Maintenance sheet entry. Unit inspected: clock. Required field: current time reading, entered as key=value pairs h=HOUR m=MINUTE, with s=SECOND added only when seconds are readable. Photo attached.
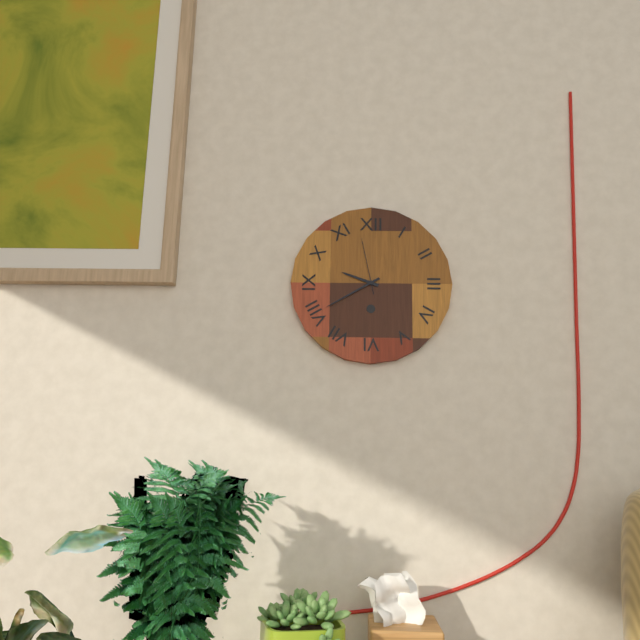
h=9 m=40 s=58
